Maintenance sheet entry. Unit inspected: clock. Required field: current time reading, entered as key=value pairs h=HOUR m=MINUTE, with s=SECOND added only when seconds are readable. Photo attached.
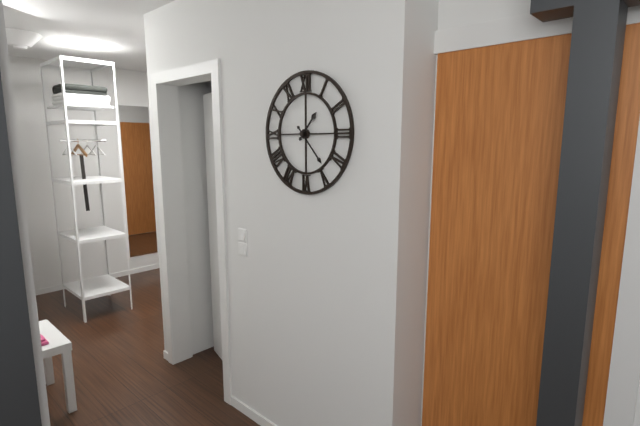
h=1 m=23
